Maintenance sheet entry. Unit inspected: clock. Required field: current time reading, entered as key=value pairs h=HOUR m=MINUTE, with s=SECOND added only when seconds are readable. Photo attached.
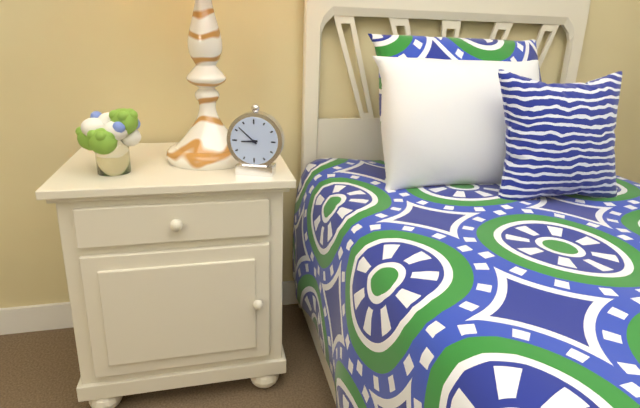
h=8 m=52
